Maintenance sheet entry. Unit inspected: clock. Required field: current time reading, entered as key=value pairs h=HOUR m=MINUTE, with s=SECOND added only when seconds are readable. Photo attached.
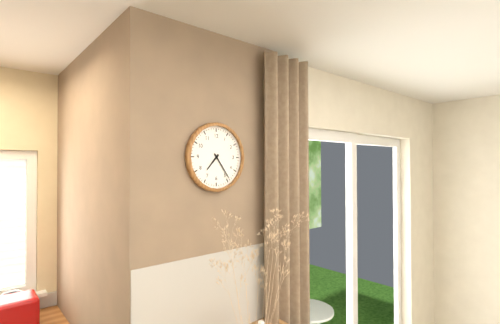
h=7 m=24
